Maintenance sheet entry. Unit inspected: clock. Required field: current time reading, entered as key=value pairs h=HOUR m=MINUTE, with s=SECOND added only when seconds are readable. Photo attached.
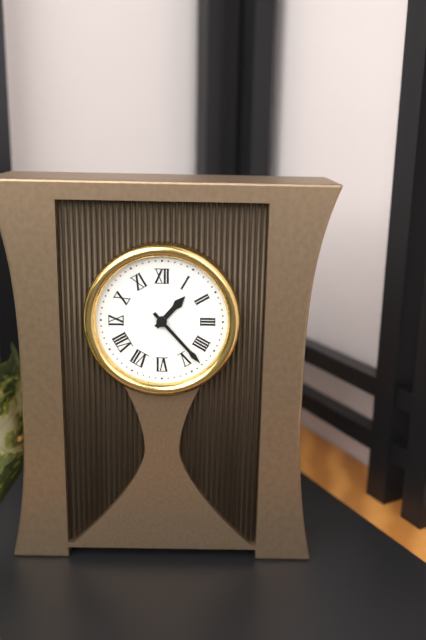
h=1 m=23
